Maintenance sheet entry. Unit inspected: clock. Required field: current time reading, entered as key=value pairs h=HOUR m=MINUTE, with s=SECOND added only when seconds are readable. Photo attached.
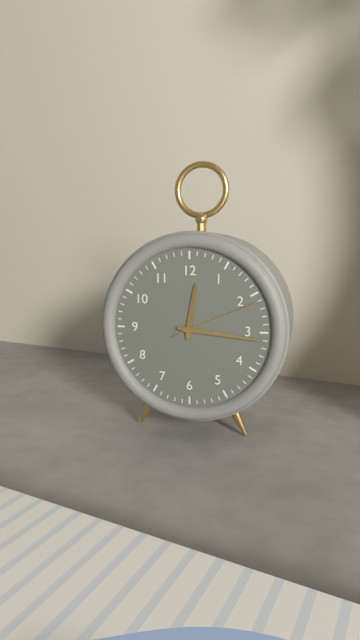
h=12 m=16 s=11
